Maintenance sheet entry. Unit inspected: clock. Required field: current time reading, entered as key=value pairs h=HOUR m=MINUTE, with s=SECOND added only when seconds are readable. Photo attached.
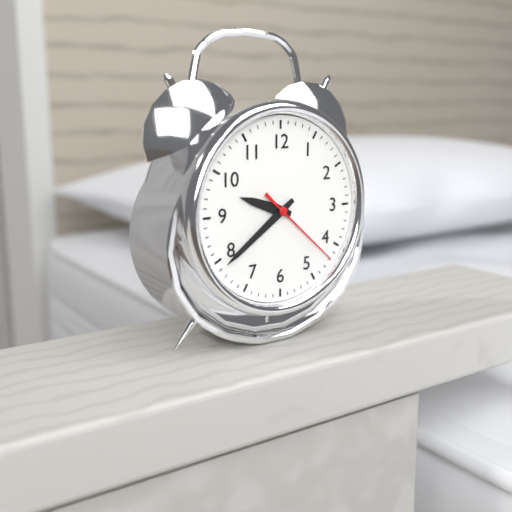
h=9 m=39 s=22
